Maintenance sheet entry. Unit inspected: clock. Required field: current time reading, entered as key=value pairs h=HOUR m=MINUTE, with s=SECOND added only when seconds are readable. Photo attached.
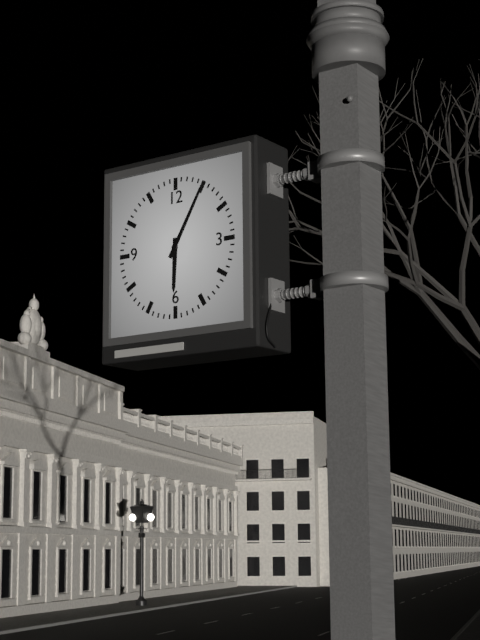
h=6 m=5
